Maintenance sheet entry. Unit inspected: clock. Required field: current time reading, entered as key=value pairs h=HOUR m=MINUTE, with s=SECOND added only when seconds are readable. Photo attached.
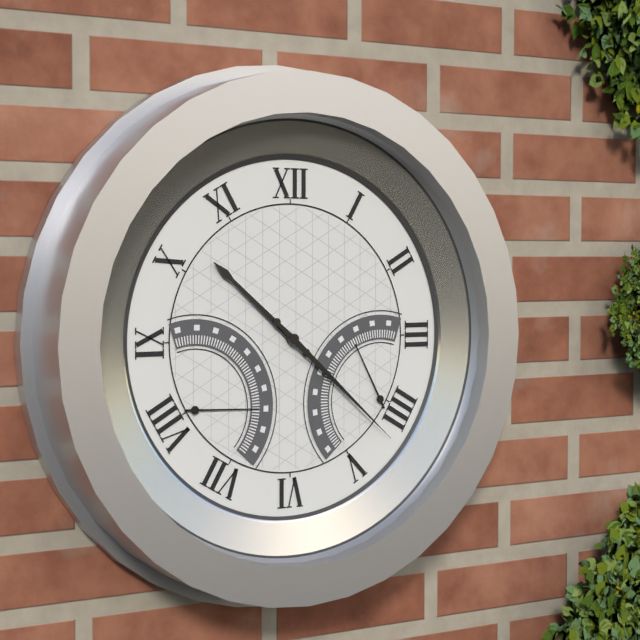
h=10 m=22
